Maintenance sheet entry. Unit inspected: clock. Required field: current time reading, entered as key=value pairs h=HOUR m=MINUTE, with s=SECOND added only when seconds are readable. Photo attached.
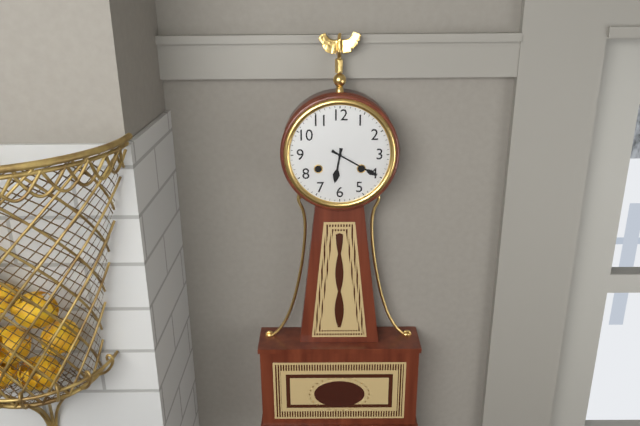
h=6 m=20
